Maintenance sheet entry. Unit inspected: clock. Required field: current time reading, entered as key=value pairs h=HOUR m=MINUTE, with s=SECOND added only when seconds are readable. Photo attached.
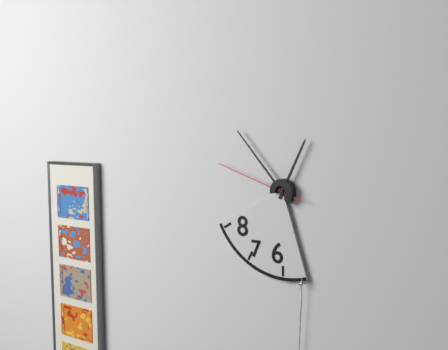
h=12 m=53 s=48
